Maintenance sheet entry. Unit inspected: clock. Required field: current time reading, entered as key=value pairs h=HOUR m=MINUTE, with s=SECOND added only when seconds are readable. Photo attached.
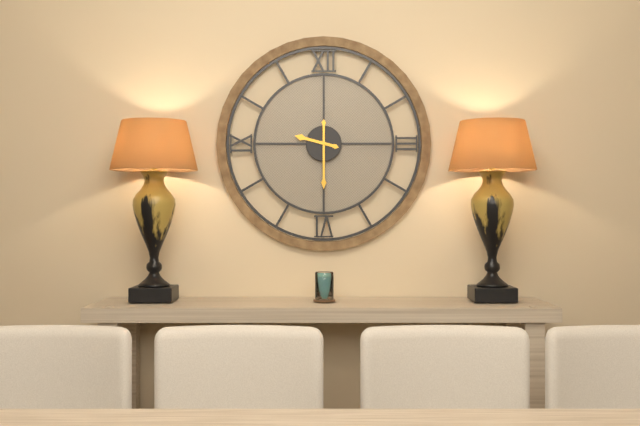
h=9 m=30
